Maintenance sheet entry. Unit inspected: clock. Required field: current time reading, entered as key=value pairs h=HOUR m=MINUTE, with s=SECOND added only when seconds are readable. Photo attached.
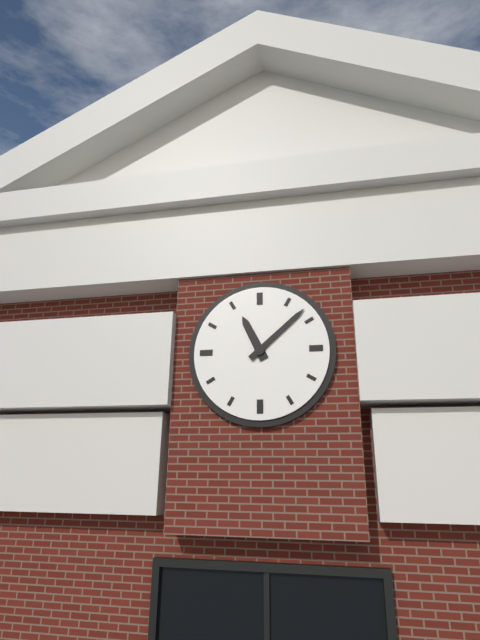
h=11 m=8
